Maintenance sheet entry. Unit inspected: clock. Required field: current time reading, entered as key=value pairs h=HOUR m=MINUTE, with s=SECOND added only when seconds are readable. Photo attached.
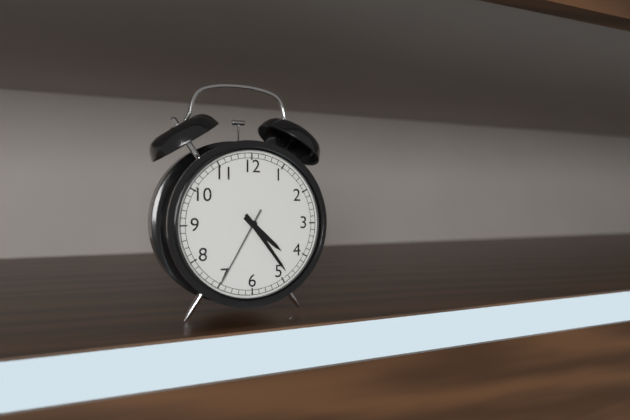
h=4 m=24 s=35
